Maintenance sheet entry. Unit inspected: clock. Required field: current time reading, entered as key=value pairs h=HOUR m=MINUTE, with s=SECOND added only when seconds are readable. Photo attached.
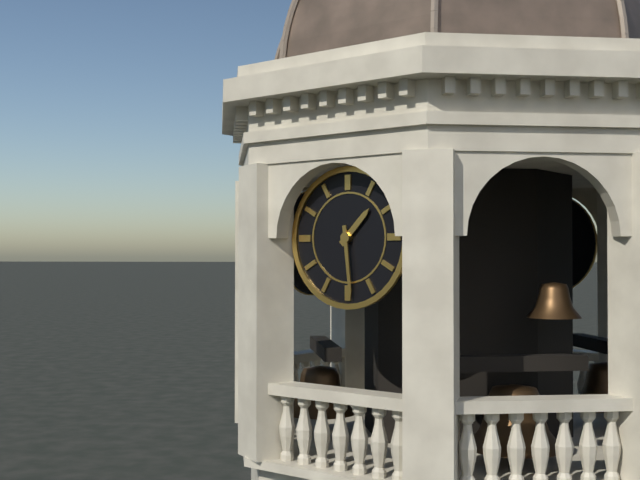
h=1 m=29
